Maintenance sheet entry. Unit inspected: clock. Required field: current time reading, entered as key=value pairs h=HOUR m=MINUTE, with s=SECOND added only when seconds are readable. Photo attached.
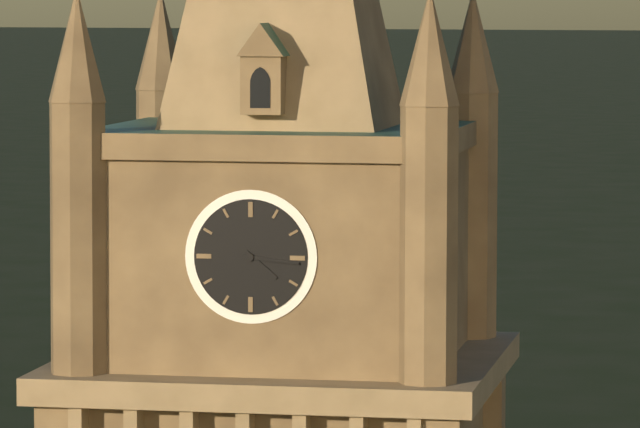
h=4 m=16
